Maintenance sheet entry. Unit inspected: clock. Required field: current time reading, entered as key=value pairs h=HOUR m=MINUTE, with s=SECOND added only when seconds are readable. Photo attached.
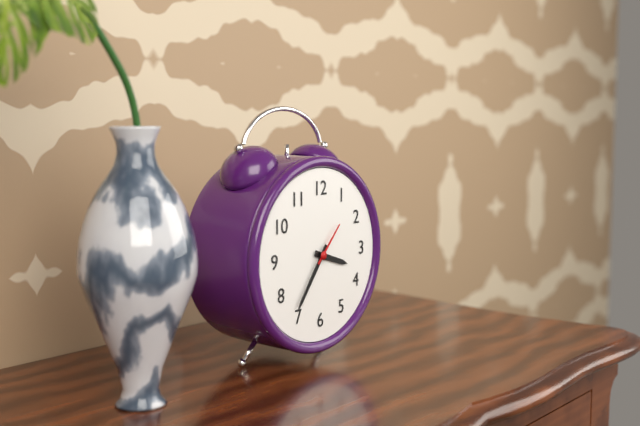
h=3 m=36
